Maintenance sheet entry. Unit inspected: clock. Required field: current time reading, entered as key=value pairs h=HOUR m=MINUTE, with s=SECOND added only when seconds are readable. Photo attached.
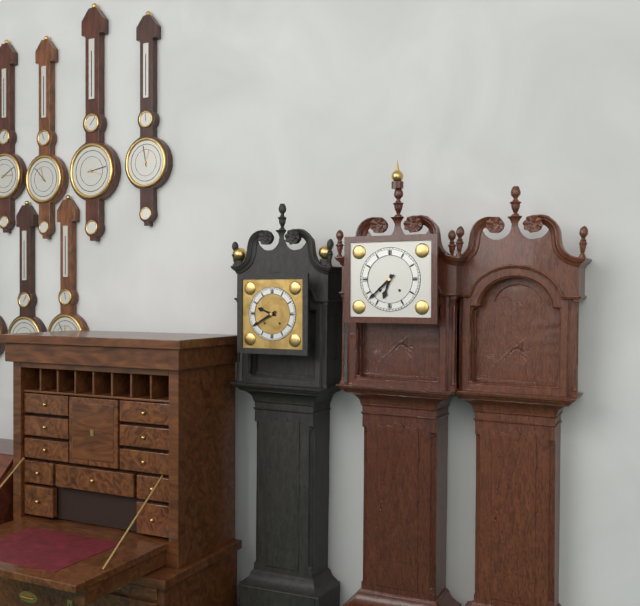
h=6 m=38
